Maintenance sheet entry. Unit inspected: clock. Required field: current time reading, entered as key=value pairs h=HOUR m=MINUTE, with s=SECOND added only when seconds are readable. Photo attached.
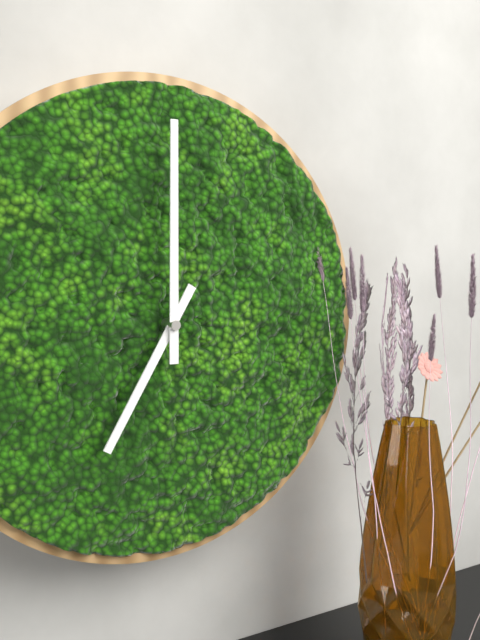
h=7 m=0
